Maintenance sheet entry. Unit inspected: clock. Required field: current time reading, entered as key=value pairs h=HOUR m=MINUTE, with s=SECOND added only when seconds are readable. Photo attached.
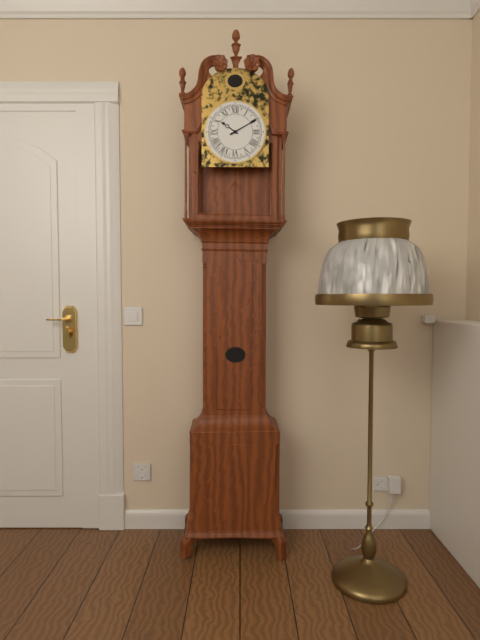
h=10 m=10
